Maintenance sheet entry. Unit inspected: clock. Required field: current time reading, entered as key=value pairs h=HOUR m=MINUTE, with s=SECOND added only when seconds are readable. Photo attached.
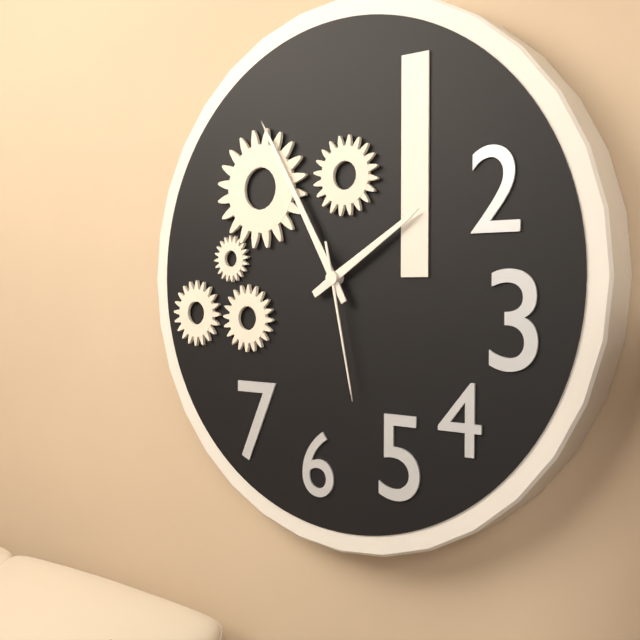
h=1 m=55 s=28
